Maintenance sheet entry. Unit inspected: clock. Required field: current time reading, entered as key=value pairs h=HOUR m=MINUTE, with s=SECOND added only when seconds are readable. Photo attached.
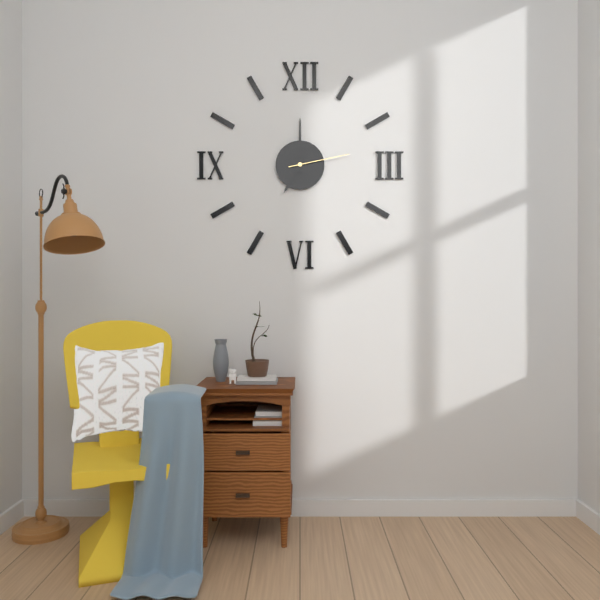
h=7 m=0 s=13
